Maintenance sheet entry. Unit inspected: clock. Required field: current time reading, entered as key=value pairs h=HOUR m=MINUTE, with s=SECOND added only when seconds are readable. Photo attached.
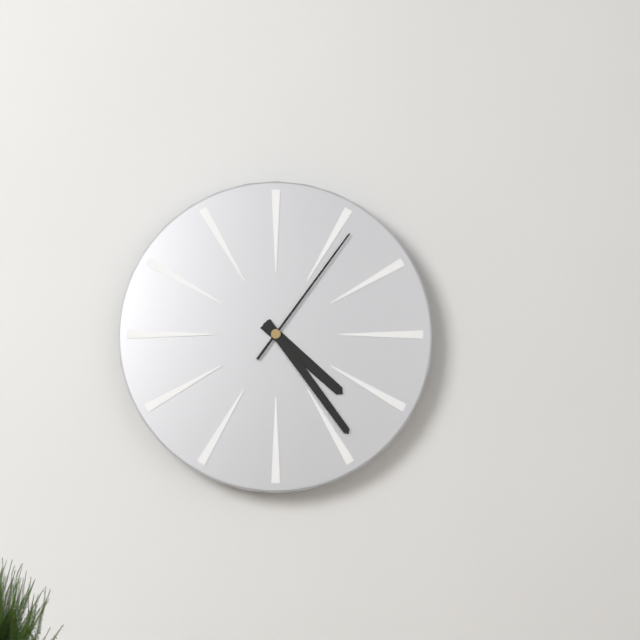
h=4 m=24 s=6
